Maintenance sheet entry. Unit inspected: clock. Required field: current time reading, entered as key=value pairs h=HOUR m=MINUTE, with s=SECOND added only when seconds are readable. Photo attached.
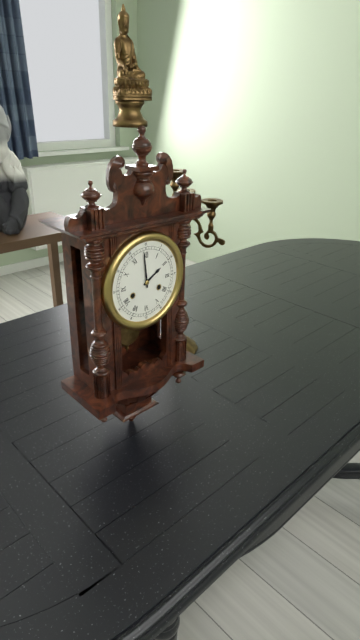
h=1 m=59
